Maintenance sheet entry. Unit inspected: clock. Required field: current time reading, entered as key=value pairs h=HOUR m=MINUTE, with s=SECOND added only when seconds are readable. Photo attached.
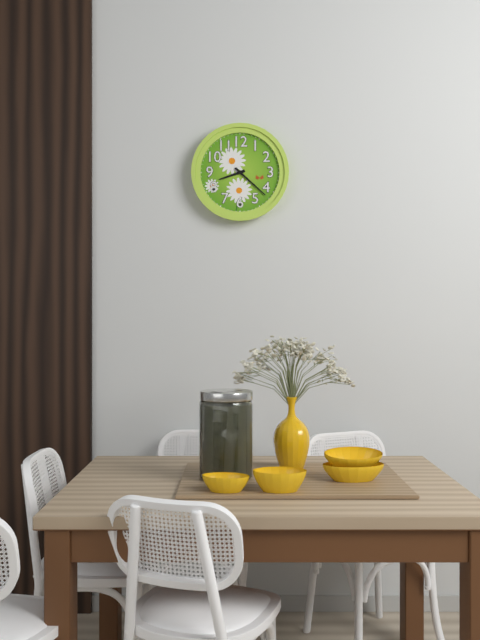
h=8 m=22
